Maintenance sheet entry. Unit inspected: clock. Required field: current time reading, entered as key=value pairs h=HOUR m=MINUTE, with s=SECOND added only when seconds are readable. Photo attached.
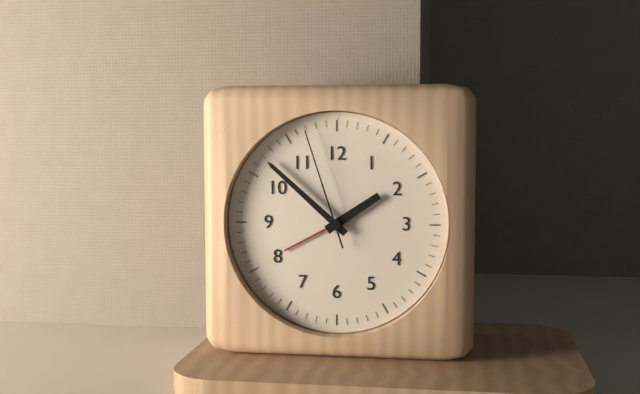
h=1 m=52 s=57
